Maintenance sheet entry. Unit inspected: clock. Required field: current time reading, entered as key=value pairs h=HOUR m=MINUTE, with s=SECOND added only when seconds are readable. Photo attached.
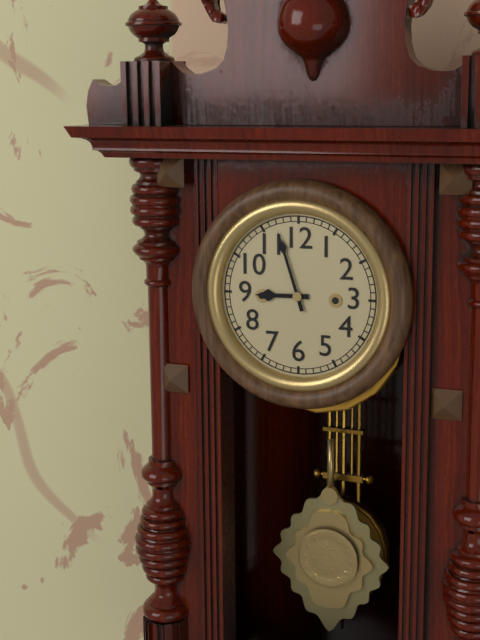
h=8 m=57
